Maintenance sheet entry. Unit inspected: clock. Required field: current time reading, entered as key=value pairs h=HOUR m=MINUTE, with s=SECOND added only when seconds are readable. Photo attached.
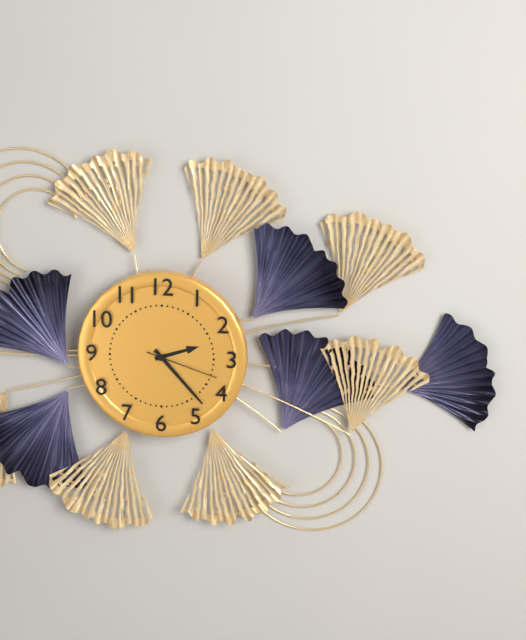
h=2 m=23 s=18
